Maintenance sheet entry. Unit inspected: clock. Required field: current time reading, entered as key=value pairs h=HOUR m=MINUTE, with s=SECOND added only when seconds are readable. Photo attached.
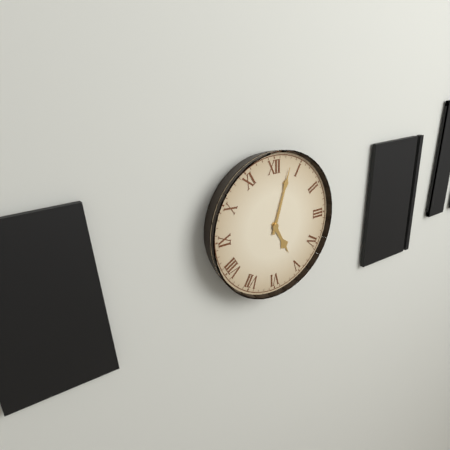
h=5 m=3
